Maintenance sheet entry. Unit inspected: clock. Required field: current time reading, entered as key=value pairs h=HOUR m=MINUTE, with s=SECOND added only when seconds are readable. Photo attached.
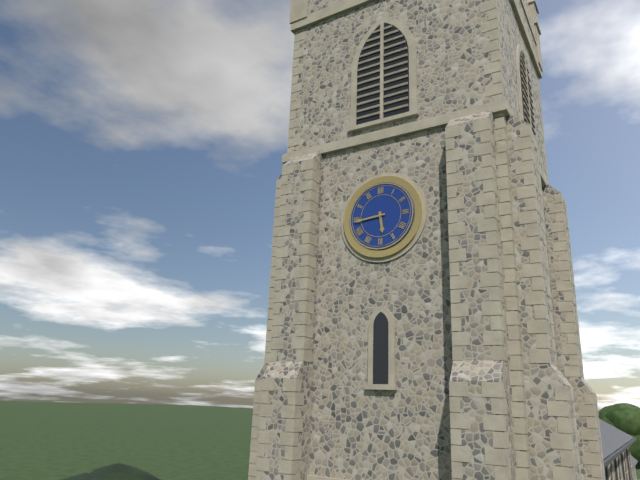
h=5 m=44
